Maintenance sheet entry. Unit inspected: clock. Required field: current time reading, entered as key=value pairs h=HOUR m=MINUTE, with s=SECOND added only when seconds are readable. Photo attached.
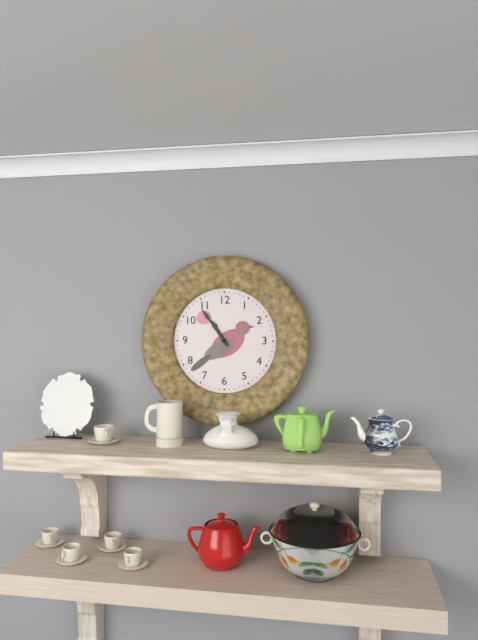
h=10 m=54
